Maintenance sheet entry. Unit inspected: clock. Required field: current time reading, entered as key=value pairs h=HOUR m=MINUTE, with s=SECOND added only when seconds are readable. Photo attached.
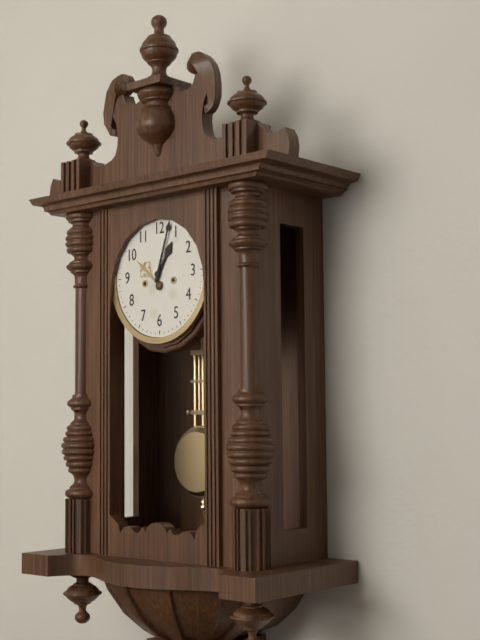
h=1 m=3
